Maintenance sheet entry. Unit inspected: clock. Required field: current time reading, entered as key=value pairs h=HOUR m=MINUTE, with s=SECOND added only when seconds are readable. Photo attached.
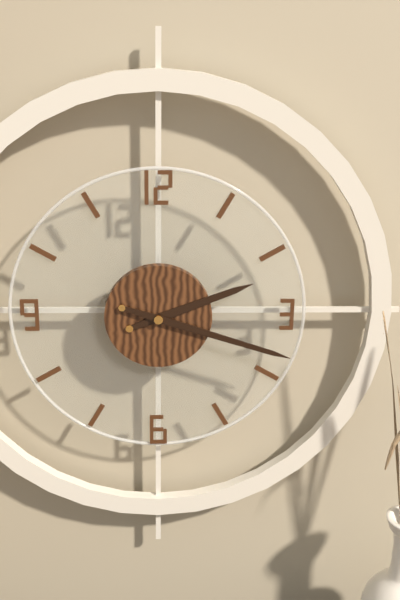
h=2 m=18
